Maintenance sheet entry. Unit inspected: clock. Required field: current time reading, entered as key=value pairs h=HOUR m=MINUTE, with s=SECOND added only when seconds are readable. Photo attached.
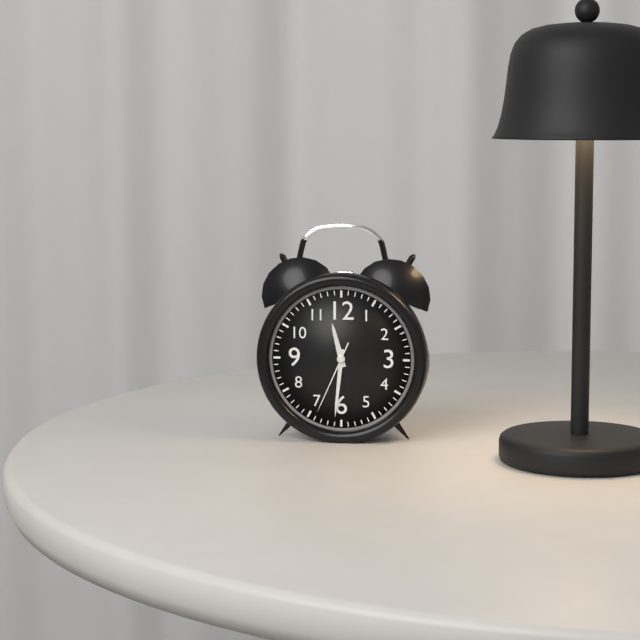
h=11 m=31 s=34
